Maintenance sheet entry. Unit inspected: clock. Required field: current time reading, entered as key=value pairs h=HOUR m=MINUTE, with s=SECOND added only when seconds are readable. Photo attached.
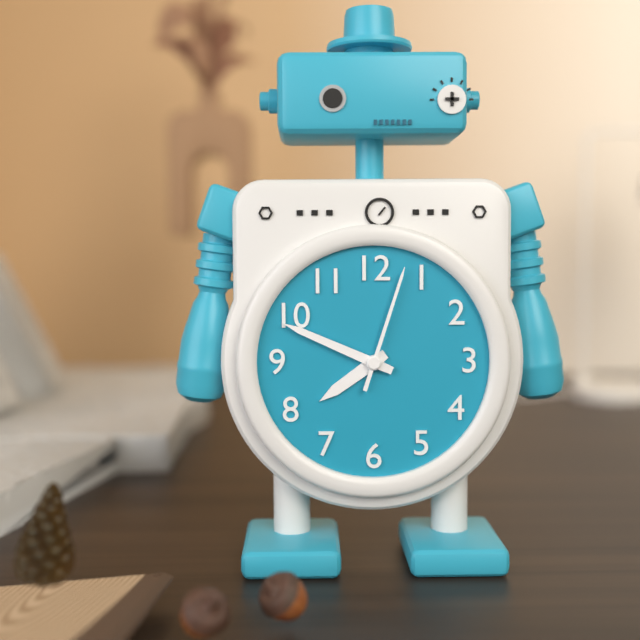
h=7 m=49 s=3
